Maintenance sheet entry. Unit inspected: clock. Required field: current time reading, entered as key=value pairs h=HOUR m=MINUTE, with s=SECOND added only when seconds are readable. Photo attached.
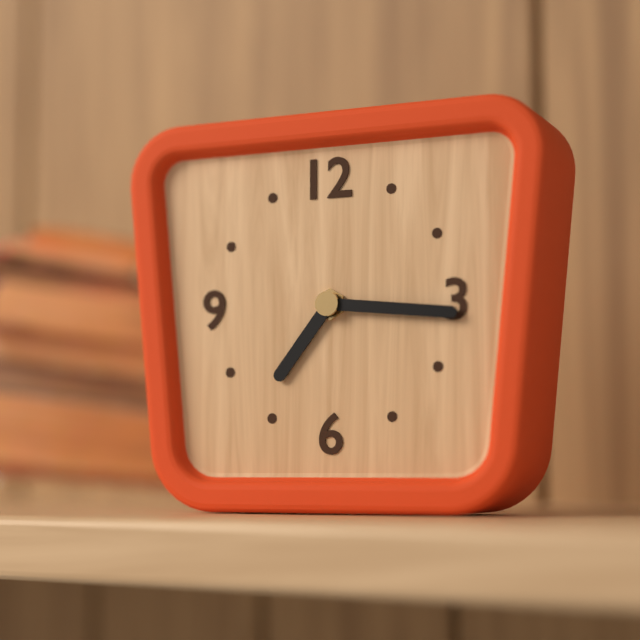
h=7 m=16
